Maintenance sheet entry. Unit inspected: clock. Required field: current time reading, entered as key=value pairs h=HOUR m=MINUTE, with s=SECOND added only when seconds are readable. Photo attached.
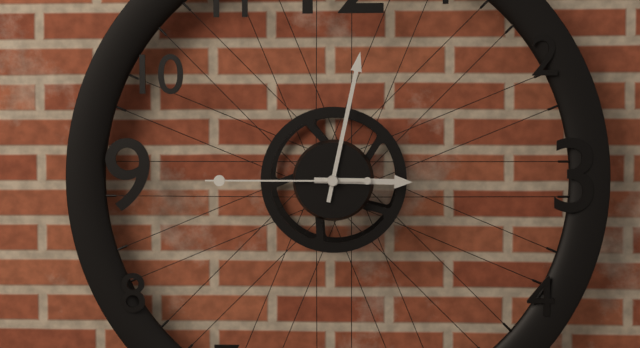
h=3 m=2 s=45
